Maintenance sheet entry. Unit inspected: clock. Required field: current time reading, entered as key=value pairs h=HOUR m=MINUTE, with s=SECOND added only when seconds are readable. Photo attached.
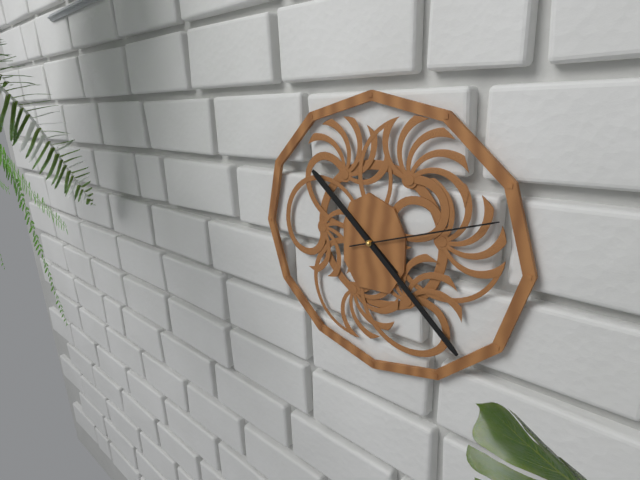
h=10 m=22 s=12
